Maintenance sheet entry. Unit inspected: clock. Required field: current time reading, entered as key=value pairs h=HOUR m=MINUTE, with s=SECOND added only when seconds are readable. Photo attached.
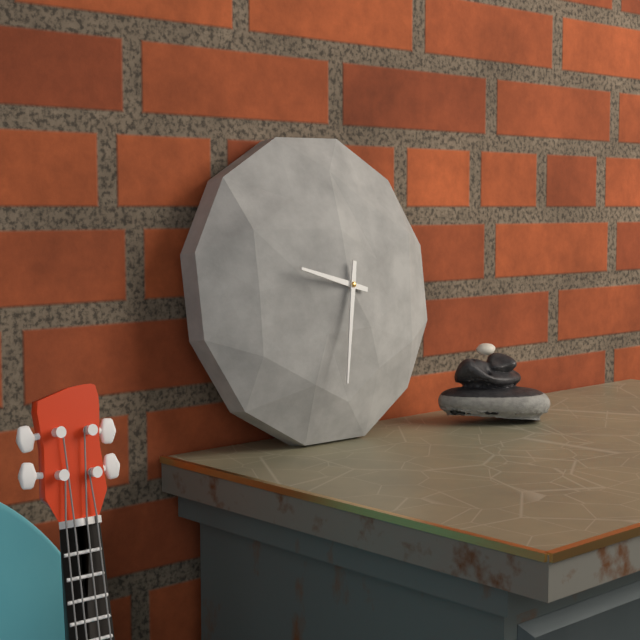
h=9 m=32
